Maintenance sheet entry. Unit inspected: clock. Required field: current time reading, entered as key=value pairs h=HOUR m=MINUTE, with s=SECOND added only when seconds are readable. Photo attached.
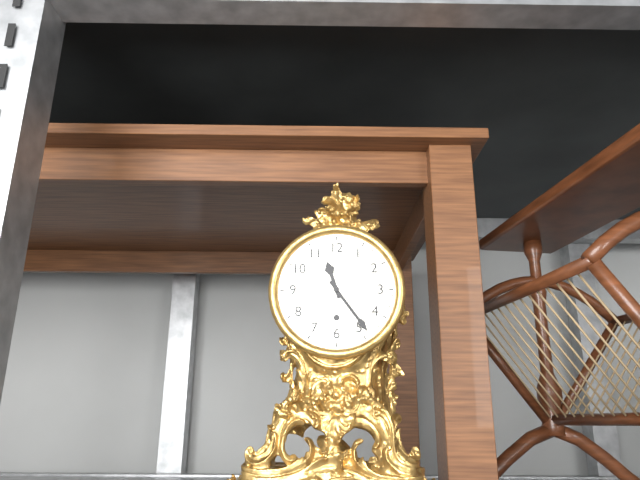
h=11 m=24
